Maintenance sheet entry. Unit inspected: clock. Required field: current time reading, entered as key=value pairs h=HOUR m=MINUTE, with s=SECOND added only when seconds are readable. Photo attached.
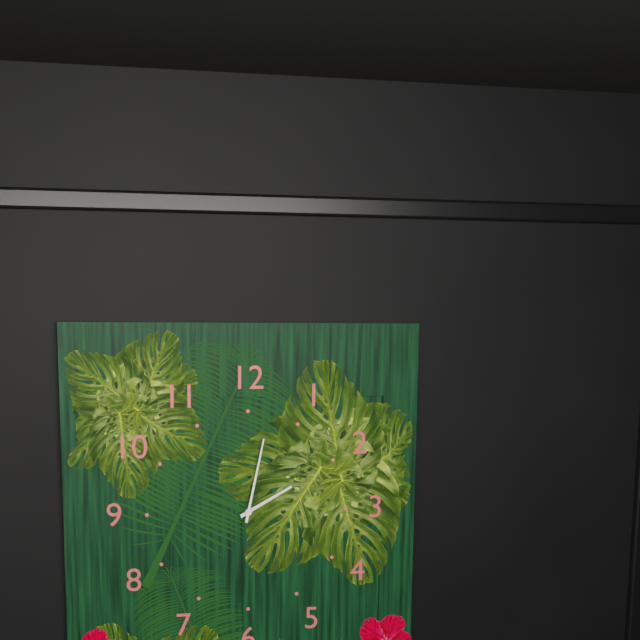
h=2 m=2
